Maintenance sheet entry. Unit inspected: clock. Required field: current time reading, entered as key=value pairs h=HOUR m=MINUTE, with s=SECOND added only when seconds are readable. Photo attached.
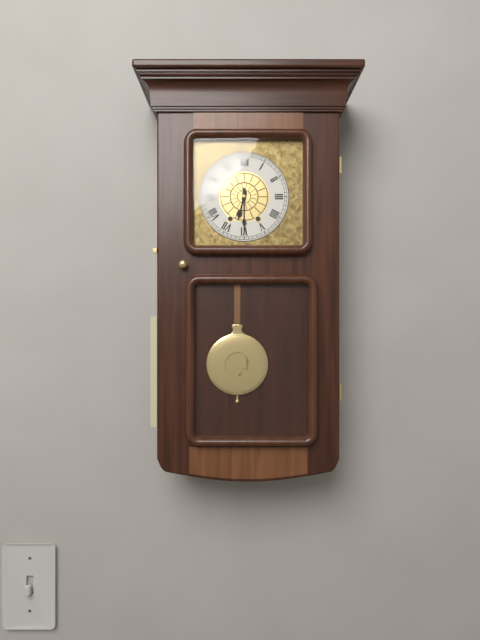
h=6 m=30
